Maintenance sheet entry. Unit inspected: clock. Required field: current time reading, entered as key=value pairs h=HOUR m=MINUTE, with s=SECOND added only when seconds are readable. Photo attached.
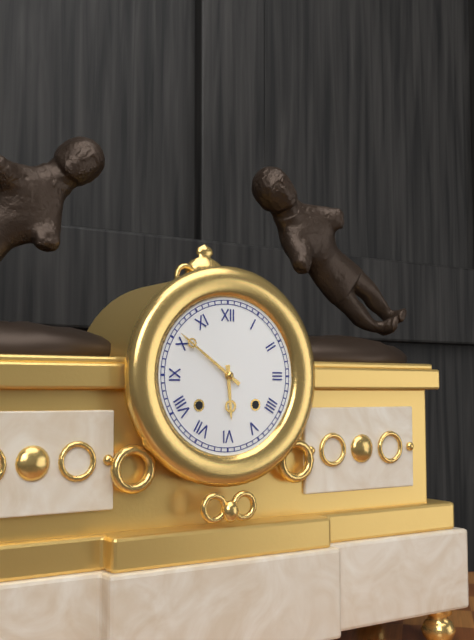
h=5 m=51
